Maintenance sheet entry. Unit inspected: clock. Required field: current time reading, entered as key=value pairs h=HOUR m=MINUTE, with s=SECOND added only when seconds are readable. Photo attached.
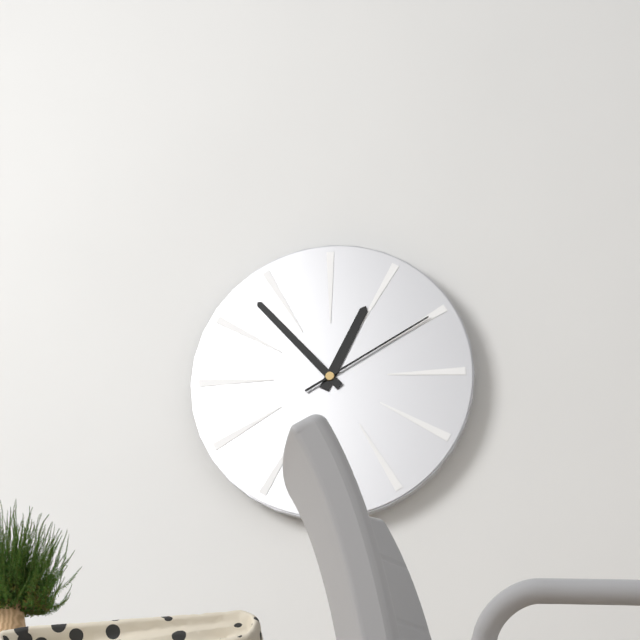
h=12 m=53 s=10
